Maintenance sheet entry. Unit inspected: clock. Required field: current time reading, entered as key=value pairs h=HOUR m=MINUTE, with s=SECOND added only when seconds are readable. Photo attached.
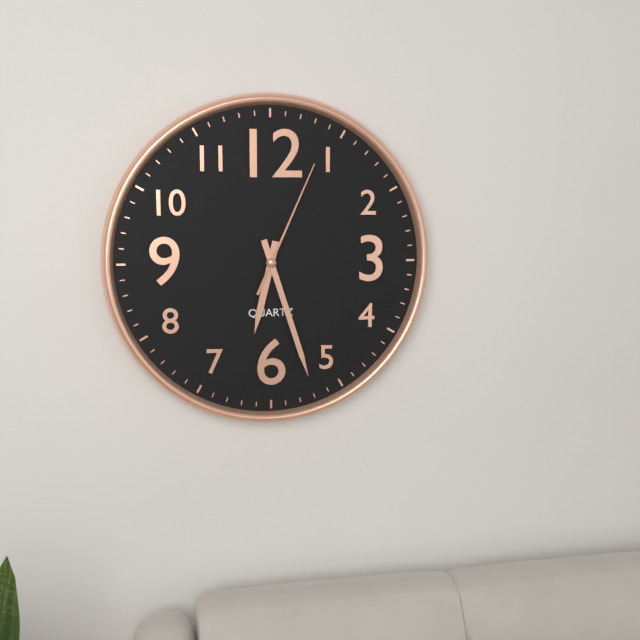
h=6 m=27 s=4
